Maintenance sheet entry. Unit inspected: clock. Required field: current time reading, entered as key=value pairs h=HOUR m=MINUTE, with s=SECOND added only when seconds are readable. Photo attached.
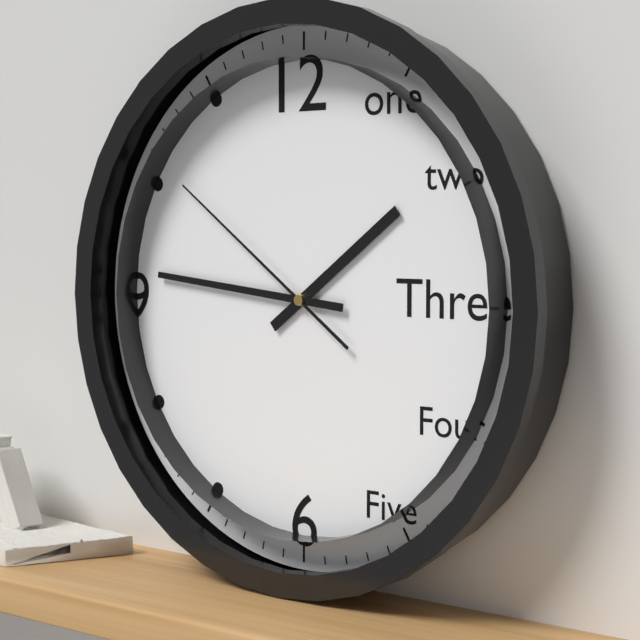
h=1 m=46 s=51
